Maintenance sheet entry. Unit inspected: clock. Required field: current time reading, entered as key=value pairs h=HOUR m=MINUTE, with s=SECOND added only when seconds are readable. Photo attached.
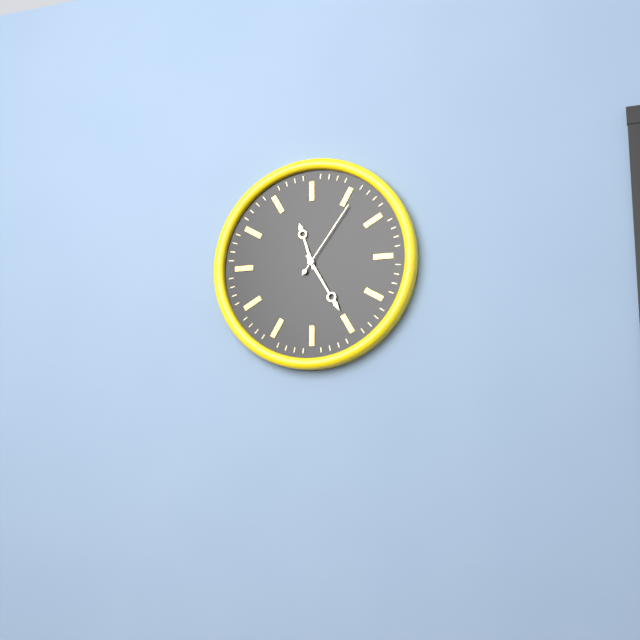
h=11 m=25 s=6
